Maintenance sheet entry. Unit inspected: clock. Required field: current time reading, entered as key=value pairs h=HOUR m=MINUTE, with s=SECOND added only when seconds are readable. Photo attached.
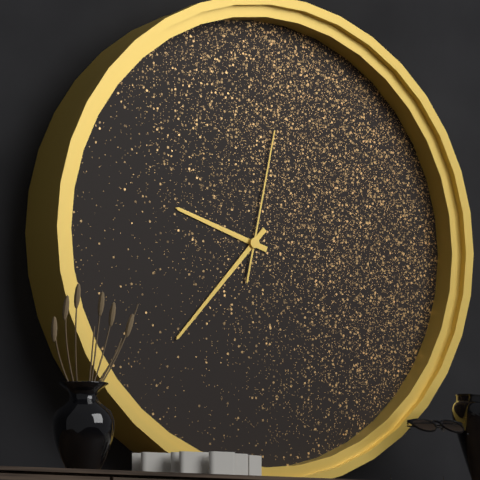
h=9 m=37 s=2
